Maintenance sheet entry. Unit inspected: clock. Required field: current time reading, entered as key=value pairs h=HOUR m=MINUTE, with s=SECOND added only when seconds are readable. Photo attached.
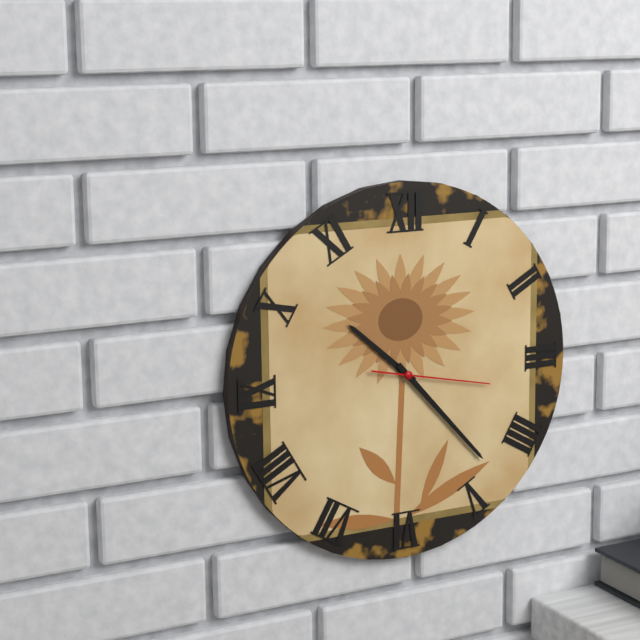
h=10 m=23 s=17
